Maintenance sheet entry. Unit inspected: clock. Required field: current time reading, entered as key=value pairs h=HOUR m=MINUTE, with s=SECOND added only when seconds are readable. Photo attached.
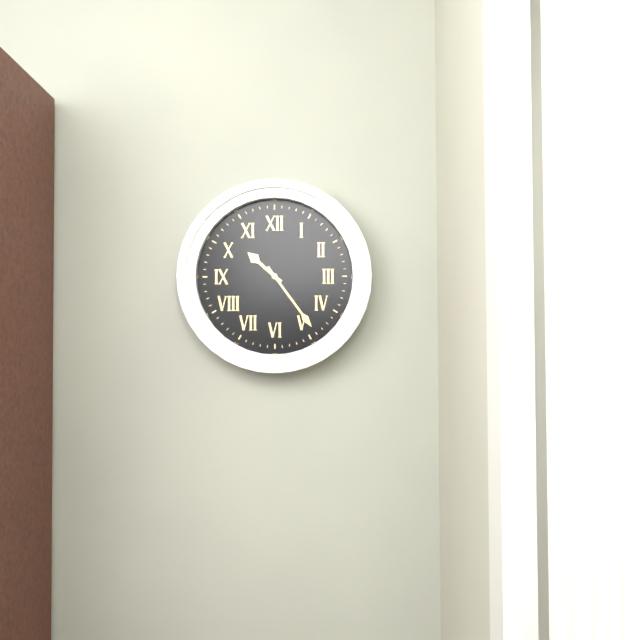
h=10 m=24
